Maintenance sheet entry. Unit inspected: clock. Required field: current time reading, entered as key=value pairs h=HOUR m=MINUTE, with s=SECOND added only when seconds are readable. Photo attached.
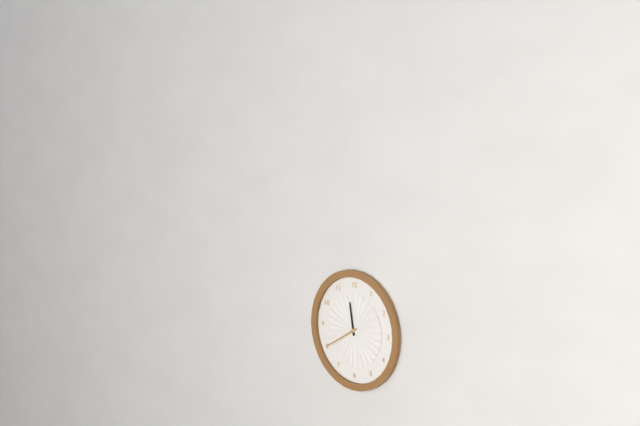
h=11 m=40
